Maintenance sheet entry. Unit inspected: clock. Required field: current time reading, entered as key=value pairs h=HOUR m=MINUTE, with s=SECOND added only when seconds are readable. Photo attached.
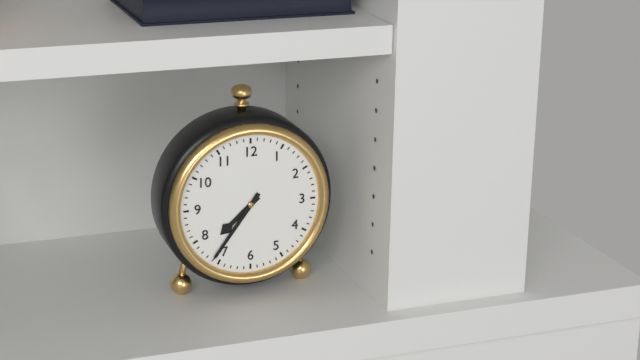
h=7 m=36
